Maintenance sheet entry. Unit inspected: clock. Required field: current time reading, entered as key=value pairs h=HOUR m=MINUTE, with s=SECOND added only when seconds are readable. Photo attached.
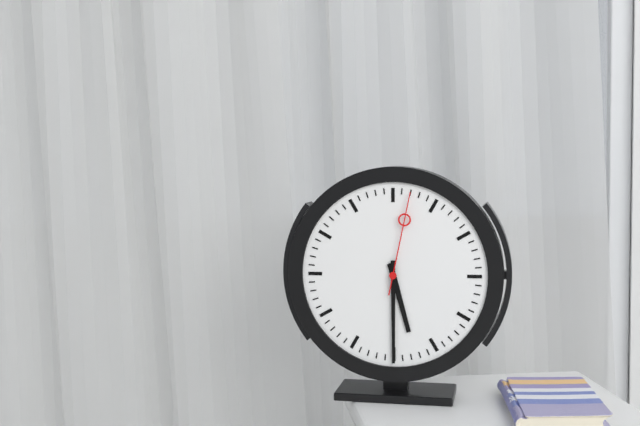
h=5 m=30 s=2
